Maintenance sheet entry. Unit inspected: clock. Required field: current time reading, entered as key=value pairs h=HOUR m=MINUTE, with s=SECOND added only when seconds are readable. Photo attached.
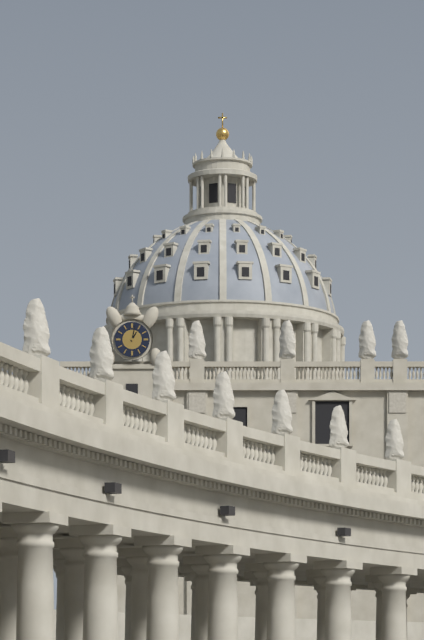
h=1 m=2
